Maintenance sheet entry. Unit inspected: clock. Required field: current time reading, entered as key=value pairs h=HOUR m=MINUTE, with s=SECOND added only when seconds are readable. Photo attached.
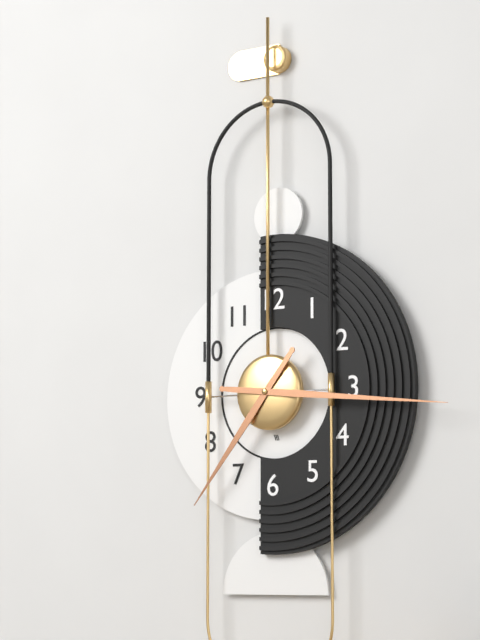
h=7 m=16
